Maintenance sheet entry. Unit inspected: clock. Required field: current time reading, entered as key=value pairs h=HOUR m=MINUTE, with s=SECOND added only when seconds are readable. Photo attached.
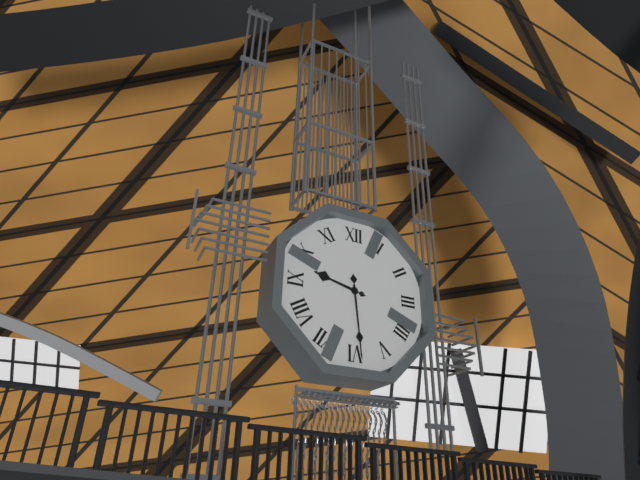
h=9 m=29
